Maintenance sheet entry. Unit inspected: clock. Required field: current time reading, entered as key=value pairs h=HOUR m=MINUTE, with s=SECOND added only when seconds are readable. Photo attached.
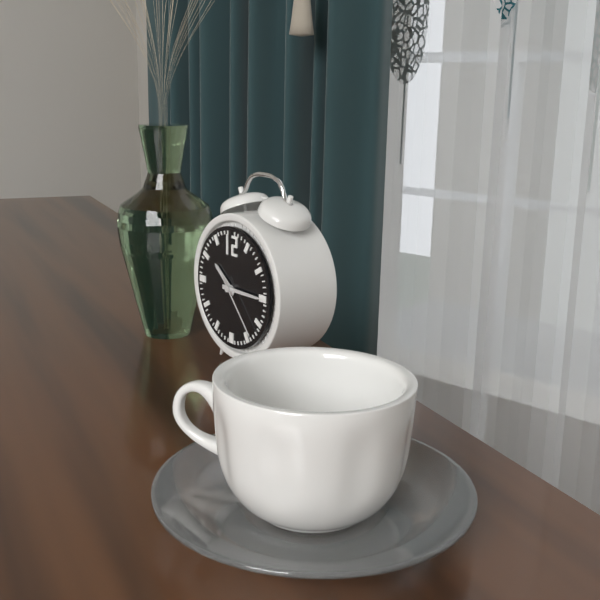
h=10 m=15 s=23
